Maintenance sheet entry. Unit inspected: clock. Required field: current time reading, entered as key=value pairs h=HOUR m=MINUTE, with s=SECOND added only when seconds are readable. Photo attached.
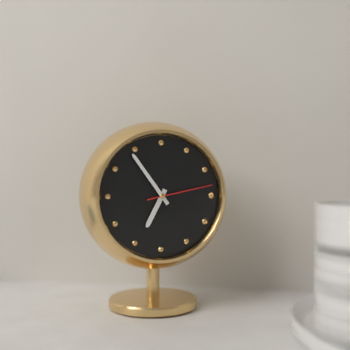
h=6 m=54 s=13
